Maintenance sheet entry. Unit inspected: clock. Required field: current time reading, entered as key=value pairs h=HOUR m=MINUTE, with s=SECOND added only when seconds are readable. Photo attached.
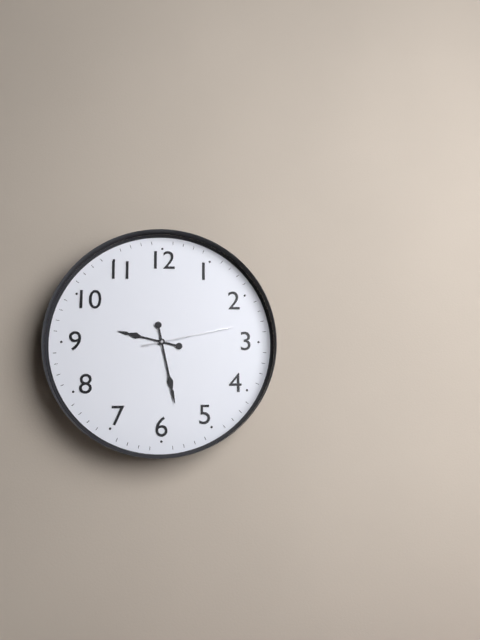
h=9 m=28 s=13
